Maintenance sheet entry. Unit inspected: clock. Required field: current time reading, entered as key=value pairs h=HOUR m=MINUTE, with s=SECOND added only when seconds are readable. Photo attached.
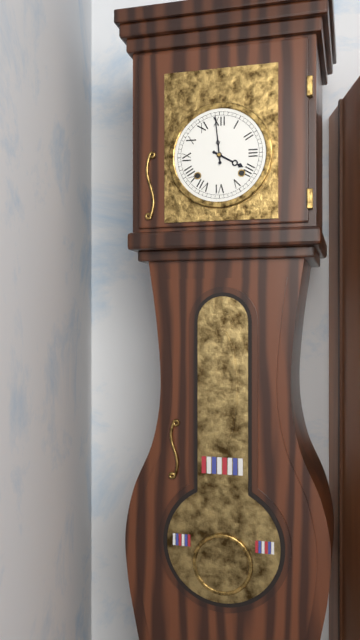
h=3 m=59
